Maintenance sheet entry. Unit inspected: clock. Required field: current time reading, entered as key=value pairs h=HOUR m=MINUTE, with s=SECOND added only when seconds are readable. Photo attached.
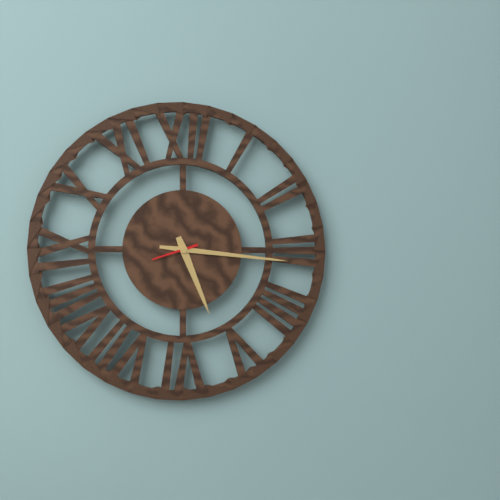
h=5 m=16
